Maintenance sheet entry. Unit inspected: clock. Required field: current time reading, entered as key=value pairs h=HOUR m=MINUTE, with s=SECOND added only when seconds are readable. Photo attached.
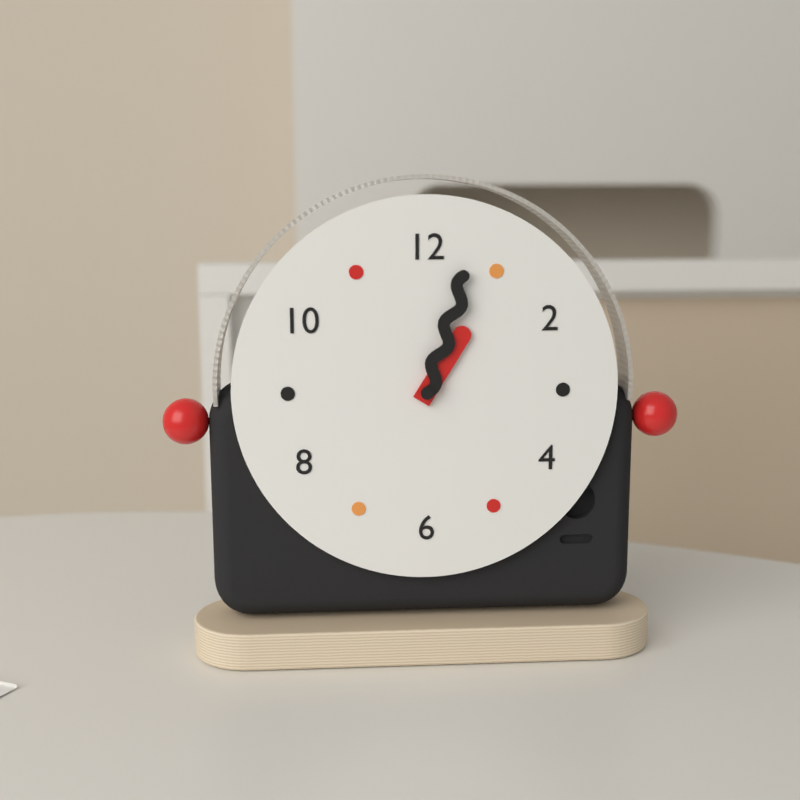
h=1 m=3
